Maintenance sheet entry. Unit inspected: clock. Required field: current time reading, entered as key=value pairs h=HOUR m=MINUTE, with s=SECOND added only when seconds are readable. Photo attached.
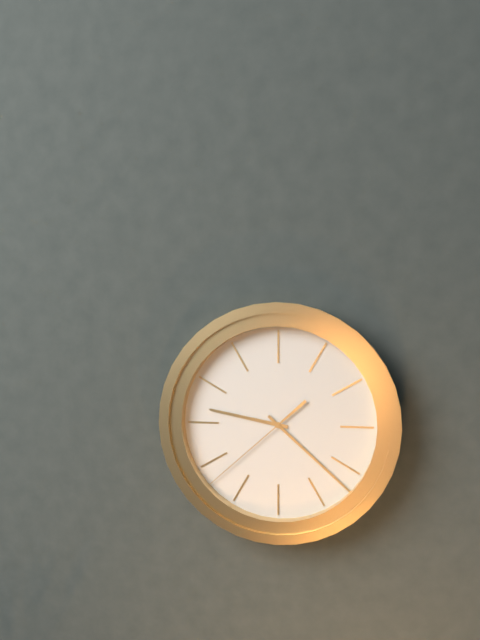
h=9 m=22 s=38
